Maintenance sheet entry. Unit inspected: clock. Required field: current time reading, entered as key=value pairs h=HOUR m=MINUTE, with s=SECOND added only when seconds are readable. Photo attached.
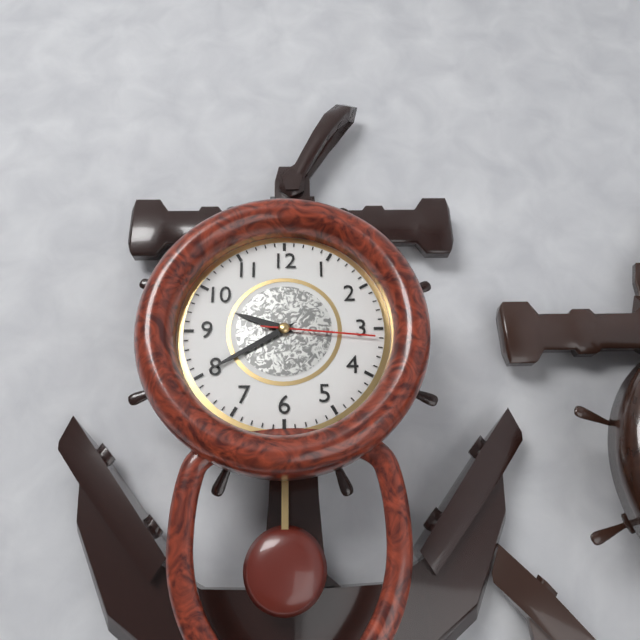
h=9 m=40 s=16
